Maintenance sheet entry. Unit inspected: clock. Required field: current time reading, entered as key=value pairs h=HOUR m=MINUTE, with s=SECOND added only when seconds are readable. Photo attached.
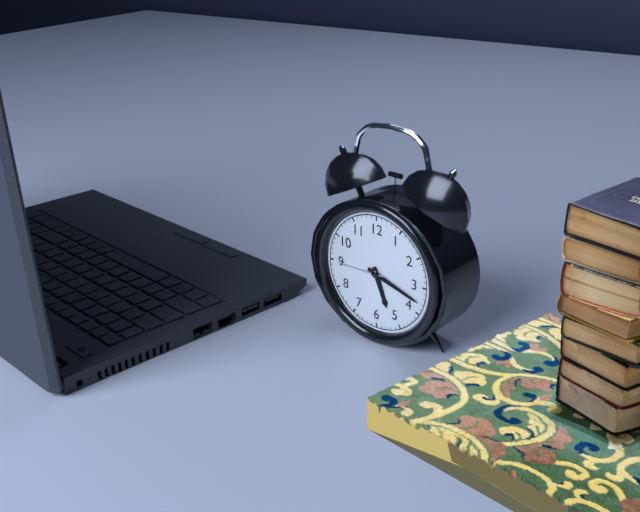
h=5 m=18
